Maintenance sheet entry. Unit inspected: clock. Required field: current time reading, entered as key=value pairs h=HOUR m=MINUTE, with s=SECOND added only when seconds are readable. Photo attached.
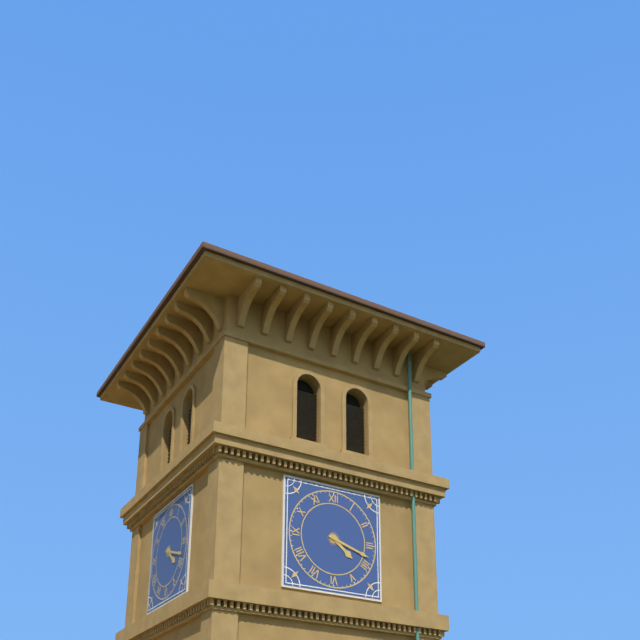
h=4 m=18
